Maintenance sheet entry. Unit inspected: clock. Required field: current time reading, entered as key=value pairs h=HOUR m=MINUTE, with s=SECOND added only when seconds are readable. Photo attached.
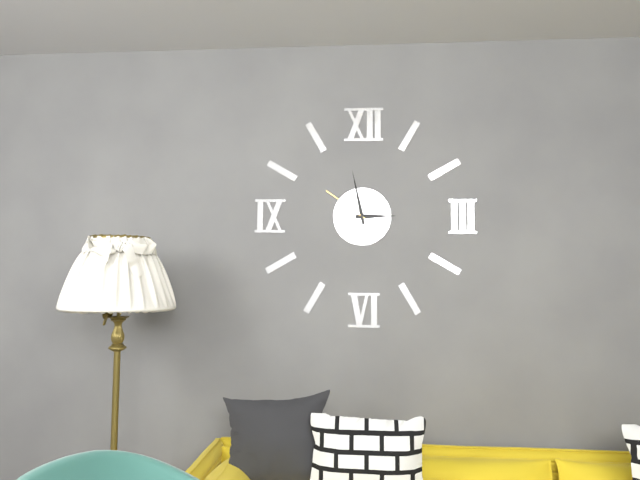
h=2 m=58 s=51
